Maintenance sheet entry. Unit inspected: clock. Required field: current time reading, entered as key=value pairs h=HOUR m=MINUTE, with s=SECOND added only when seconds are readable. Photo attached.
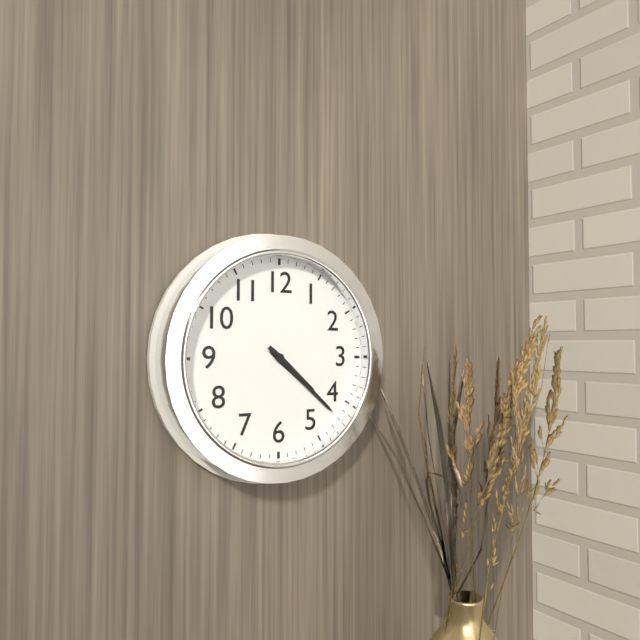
h=4 m=22
